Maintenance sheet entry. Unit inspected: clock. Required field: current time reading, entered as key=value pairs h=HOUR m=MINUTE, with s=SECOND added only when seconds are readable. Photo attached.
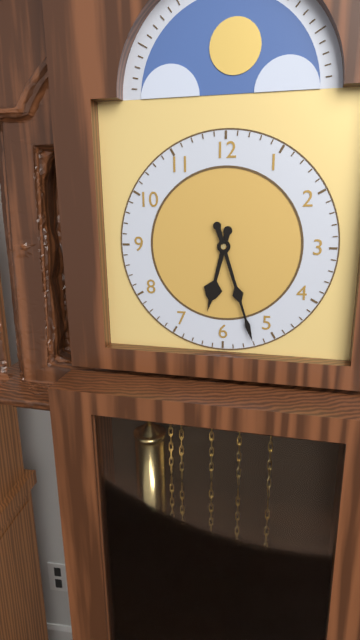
h=6 m=27
